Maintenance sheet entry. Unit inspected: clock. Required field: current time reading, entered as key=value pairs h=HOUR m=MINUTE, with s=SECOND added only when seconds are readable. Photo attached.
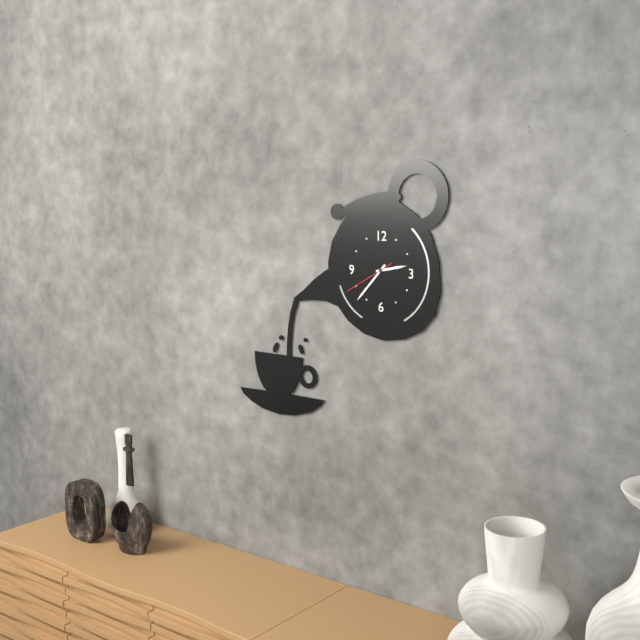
h=2 m=37
